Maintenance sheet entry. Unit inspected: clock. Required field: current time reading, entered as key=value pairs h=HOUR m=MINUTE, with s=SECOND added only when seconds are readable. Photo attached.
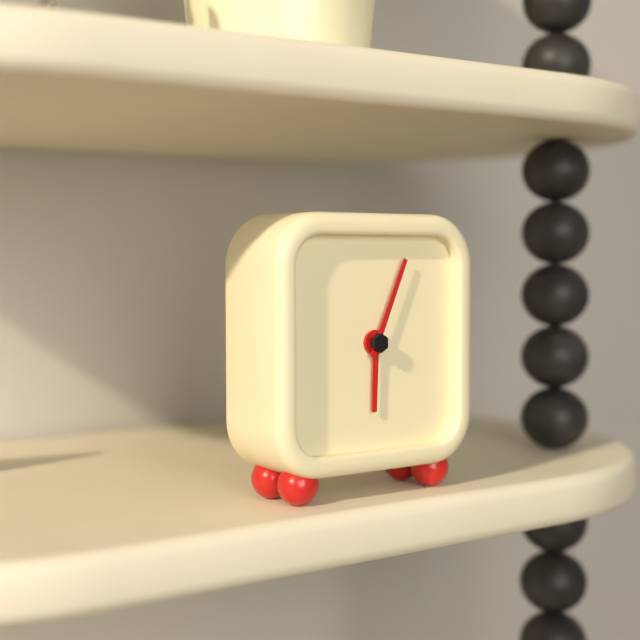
h=6 m=4
